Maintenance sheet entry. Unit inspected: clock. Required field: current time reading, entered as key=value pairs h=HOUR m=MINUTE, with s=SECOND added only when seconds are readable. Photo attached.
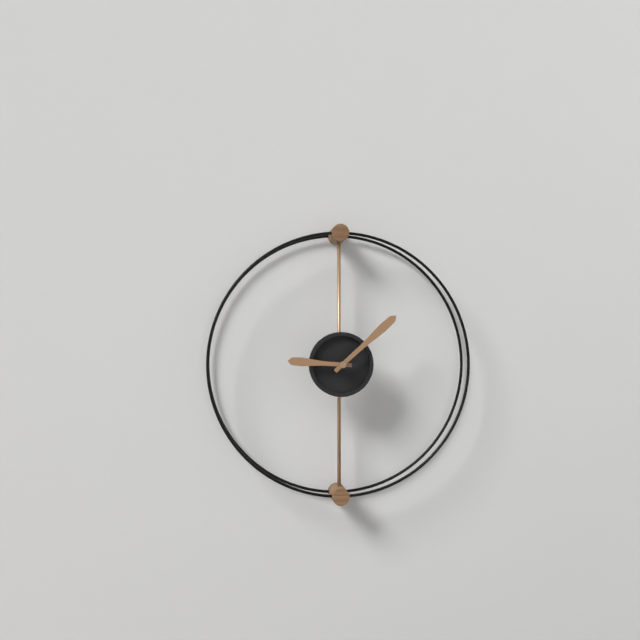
h=9 m=8
